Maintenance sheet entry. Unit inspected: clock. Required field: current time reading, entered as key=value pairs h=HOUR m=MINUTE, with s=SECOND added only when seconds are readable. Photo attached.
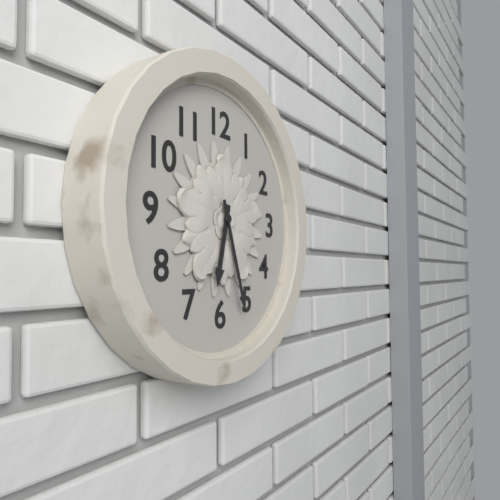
h=6 m=27
